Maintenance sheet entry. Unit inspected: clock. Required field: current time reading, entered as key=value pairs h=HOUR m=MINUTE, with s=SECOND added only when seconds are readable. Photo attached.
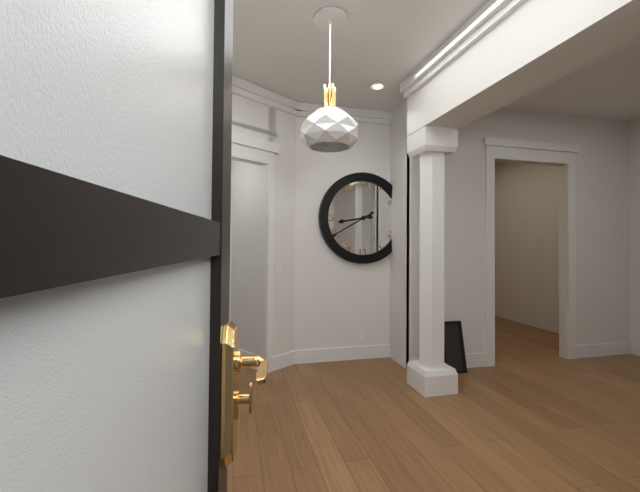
h=8 m=40
